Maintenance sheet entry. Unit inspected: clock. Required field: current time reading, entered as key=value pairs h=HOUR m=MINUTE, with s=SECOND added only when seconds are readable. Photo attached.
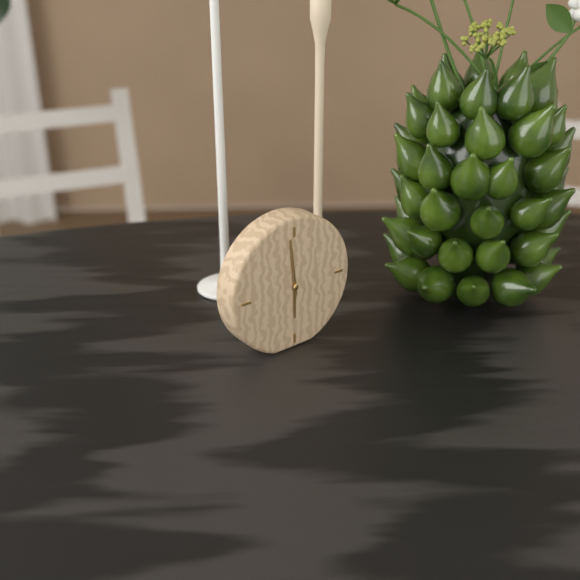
h=5 m=59
